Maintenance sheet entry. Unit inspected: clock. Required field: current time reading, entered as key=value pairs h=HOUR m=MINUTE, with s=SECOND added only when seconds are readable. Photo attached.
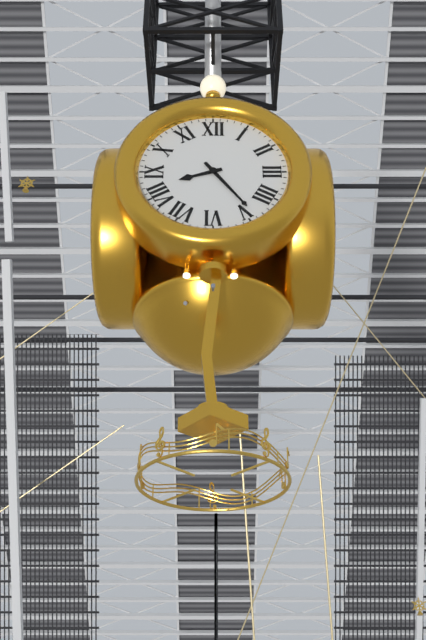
h=8 m=24
